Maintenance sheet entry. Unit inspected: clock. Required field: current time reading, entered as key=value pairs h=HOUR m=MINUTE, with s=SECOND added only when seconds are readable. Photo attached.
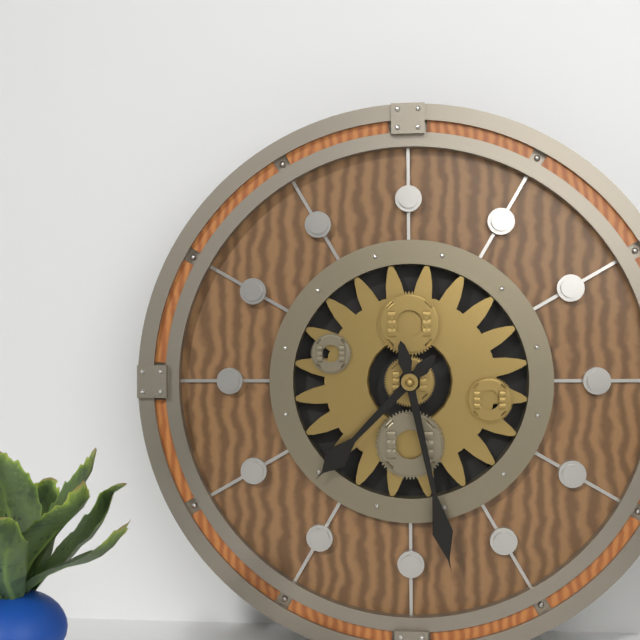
h=7 m=28
